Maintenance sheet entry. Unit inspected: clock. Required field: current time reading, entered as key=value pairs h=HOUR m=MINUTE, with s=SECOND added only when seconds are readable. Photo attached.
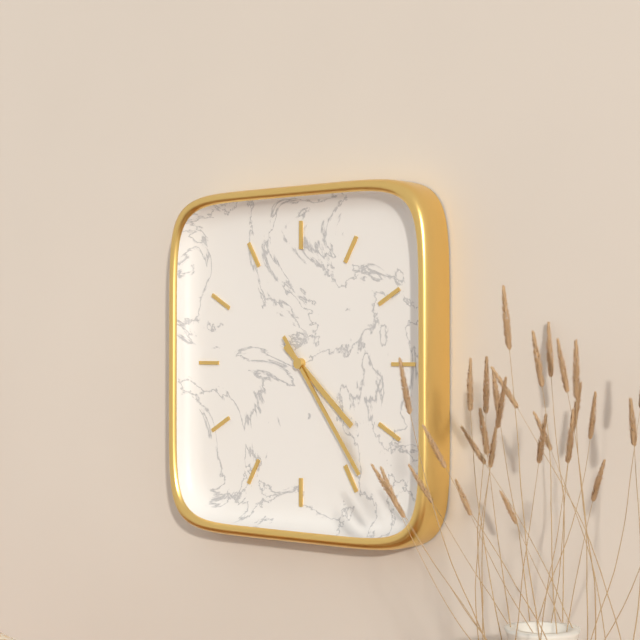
h=4 m=24
